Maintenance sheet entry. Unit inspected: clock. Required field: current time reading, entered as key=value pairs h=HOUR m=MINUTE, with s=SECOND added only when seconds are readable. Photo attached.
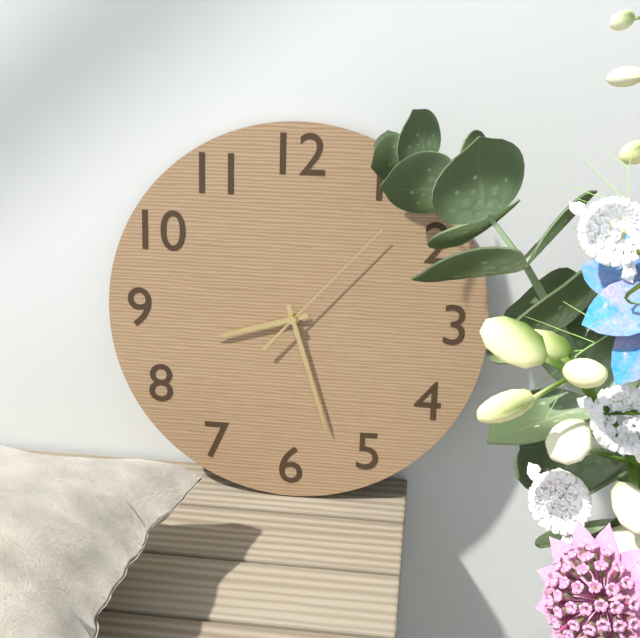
h=8 m=27 s=7
